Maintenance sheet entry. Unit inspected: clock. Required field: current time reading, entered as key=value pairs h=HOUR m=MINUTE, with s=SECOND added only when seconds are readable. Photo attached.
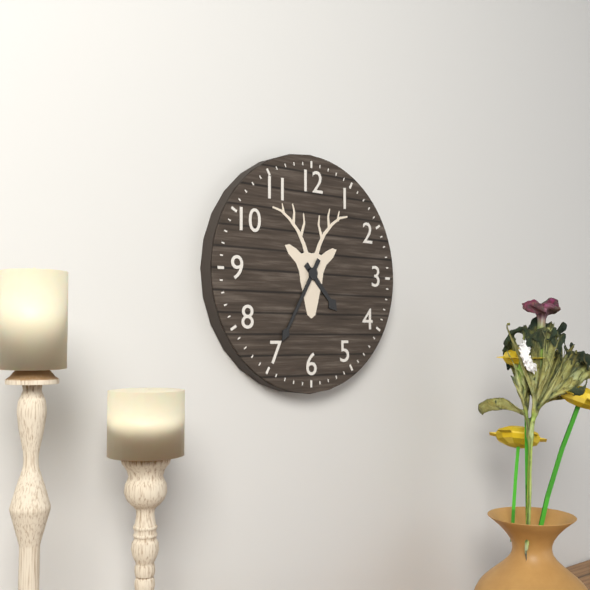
h=4 m=35
